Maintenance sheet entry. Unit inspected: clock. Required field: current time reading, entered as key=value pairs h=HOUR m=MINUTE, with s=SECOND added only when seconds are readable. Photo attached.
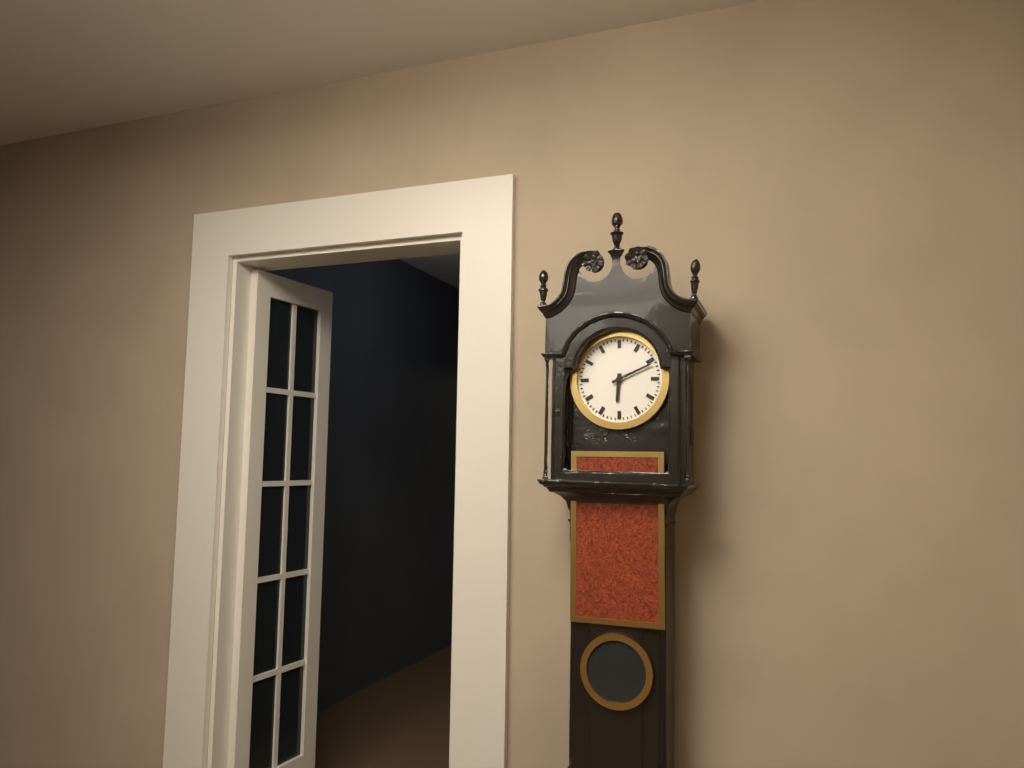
h=6 m=11
